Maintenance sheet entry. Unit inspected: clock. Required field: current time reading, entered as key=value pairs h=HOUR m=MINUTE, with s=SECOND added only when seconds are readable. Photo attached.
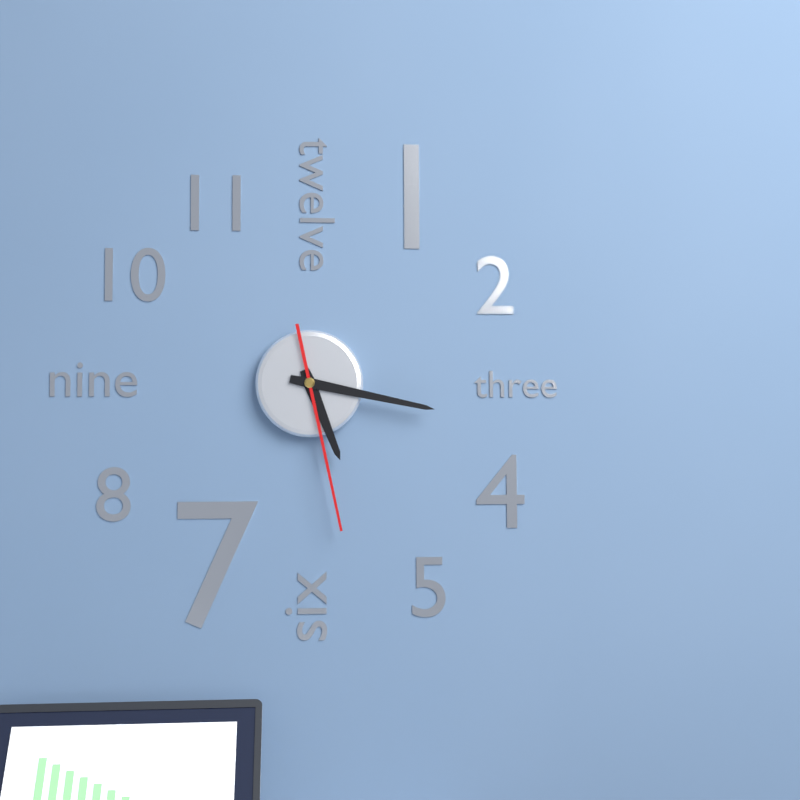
h=5 m=17 s=28
